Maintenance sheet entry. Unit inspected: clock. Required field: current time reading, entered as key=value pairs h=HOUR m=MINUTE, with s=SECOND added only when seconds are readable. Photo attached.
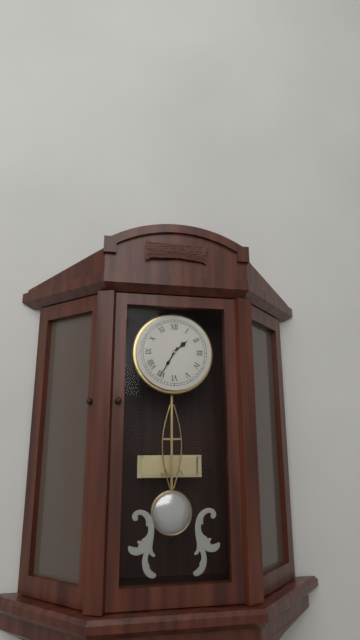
h=1 m=35
